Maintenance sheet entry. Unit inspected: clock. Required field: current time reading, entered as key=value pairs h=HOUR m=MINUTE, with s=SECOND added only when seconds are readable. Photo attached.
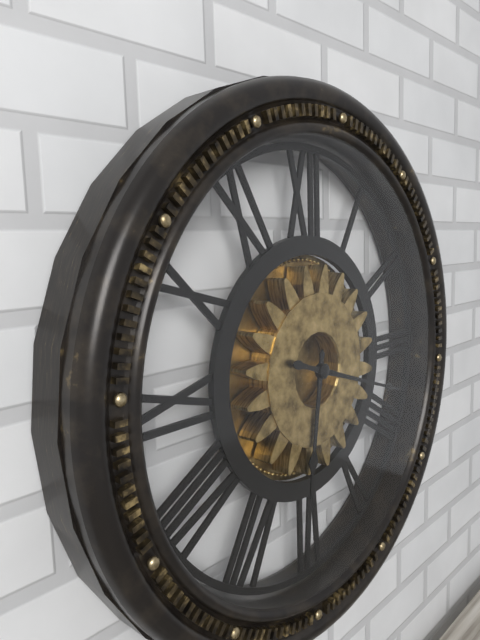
h=6 m=18
